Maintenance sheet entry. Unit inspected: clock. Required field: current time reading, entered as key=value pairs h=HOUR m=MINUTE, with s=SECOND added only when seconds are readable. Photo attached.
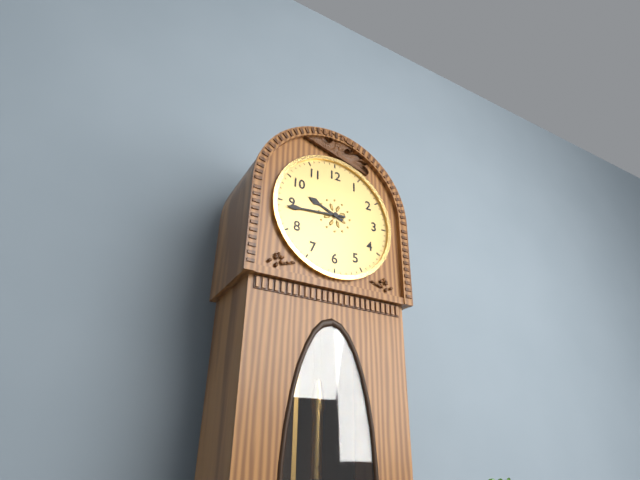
h=9 m=44
